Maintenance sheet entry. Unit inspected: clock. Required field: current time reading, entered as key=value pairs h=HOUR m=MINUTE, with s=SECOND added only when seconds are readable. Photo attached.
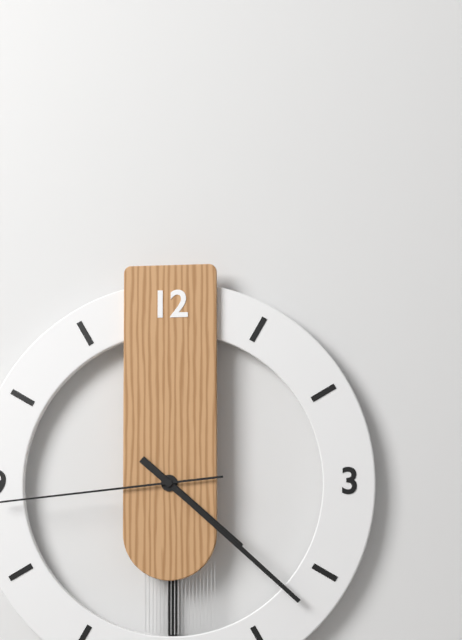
h=4 m=22
